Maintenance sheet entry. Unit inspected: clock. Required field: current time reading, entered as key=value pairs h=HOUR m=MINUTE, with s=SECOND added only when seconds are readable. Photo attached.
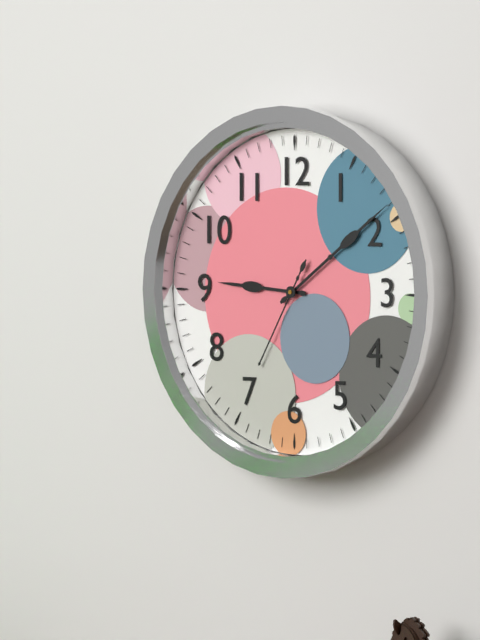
h=9 m=9 s=35
